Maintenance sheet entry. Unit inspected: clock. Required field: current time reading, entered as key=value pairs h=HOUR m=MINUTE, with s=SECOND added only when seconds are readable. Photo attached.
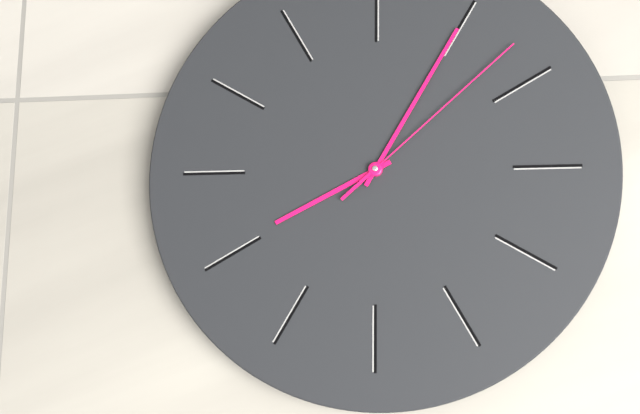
h=8 m=5 s=8
